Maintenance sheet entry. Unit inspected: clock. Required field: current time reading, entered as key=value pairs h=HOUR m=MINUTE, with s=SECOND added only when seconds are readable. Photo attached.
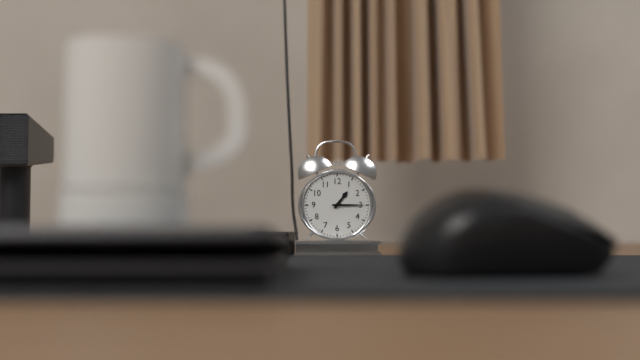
h=1 m=15
